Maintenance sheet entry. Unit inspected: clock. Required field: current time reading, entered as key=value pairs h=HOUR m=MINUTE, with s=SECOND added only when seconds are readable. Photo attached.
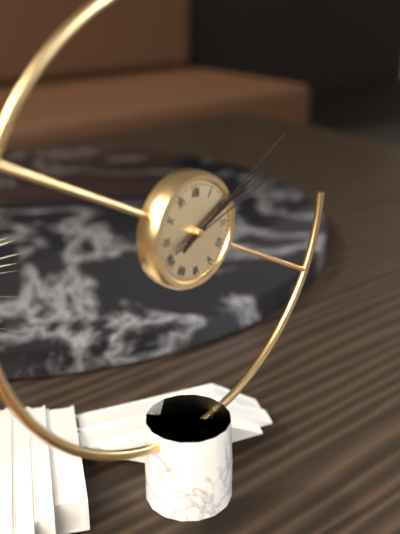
h=2 m=10 s=12
